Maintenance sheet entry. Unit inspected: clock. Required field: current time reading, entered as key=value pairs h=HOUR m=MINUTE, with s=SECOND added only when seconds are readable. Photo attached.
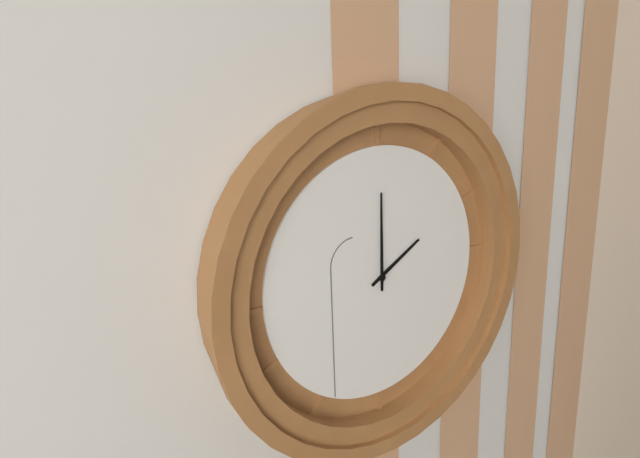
h=2 m=0
